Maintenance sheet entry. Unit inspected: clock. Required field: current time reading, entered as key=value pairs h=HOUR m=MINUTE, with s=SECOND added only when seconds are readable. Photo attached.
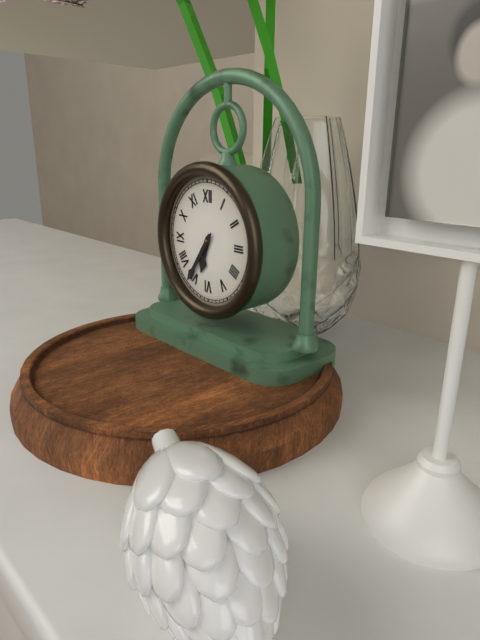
h=6 m=36
